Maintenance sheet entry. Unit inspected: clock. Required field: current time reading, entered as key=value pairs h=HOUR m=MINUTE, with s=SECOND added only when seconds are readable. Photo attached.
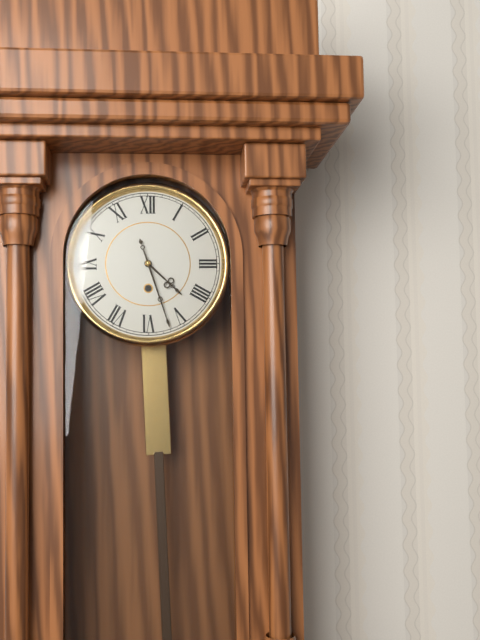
h=4 m=27
